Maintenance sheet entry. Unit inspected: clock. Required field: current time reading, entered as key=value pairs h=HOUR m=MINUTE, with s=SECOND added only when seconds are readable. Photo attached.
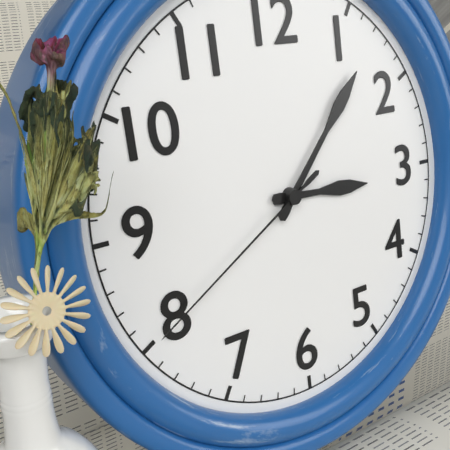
h=3 m=7 s=40
